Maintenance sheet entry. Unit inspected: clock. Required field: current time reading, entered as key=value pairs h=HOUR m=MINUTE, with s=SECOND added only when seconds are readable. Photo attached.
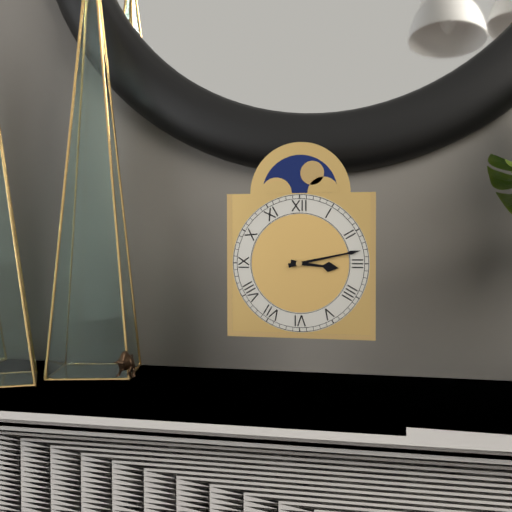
h=3 m=13
